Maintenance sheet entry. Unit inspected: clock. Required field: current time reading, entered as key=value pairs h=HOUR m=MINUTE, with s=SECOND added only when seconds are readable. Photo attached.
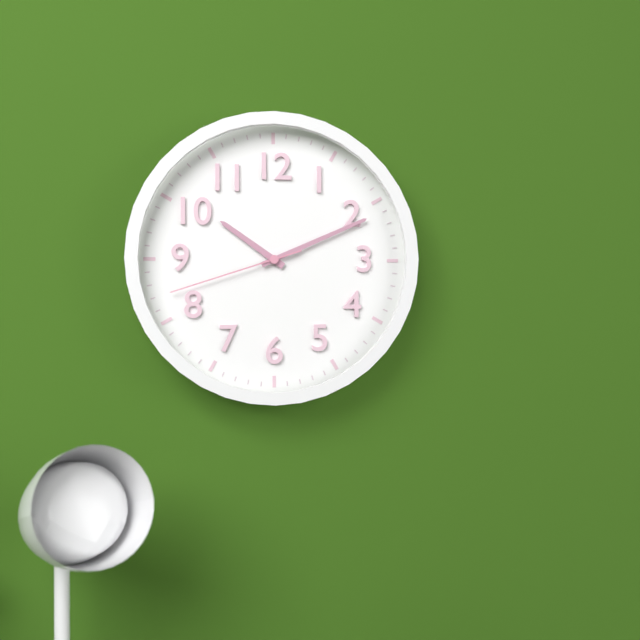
h=10 m=11 s=42
